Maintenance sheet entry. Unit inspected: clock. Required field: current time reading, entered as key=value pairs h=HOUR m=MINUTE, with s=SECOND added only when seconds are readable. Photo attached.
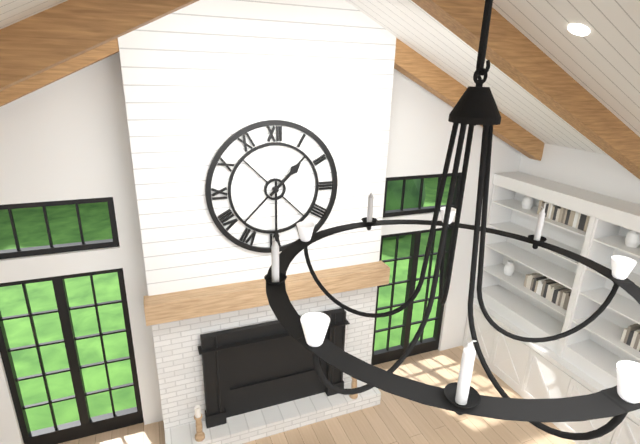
h=1 m=30
